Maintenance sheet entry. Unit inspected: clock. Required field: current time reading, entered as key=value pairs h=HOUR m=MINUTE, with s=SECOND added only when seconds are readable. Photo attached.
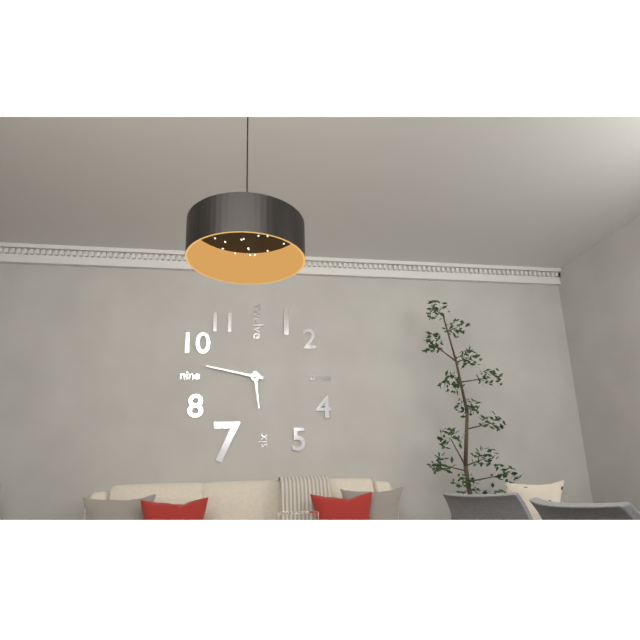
h=5 m=47
